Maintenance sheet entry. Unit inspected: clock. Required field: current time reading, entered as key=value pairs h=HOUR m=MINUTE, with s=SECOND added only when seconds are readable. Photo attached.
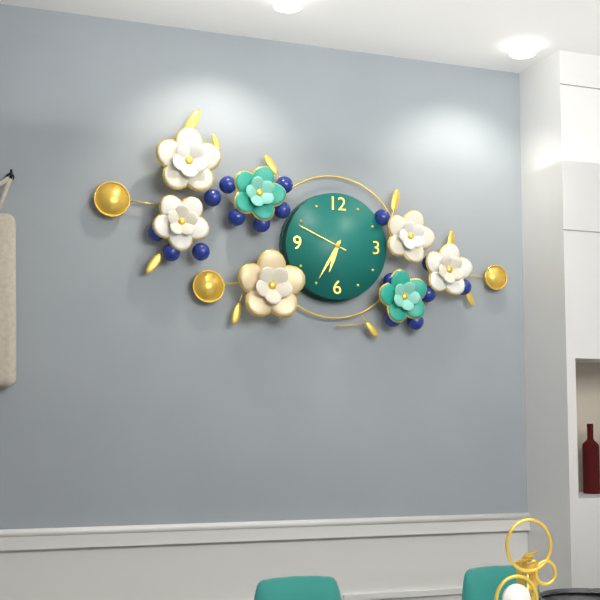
h=6 m=35 s=49
